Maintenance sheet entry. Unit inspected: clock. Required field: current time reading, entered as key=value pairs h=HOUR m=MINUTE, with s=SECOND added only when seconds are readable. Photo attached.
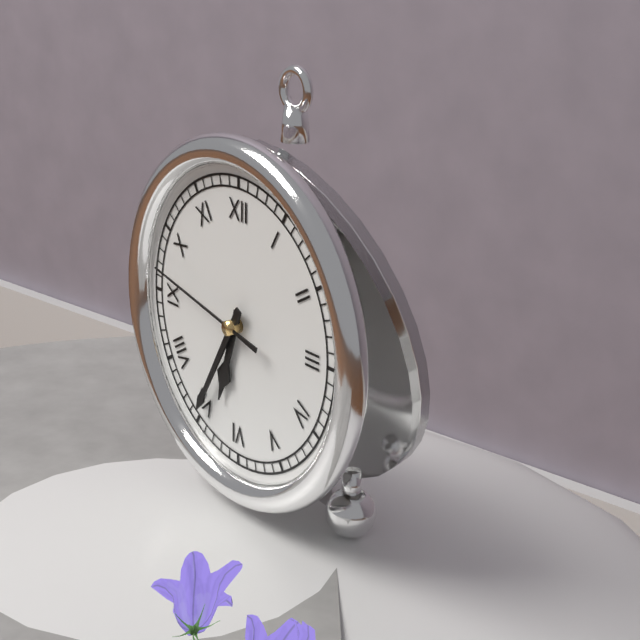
h=6 m=35 s=47
